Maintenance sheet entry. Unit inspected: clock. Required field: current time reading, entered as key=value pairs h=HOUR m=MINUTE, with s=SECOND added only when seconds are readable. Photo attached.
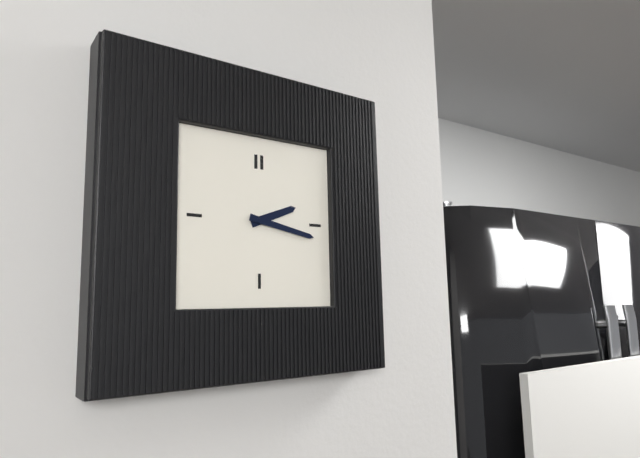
h=2 m=17
